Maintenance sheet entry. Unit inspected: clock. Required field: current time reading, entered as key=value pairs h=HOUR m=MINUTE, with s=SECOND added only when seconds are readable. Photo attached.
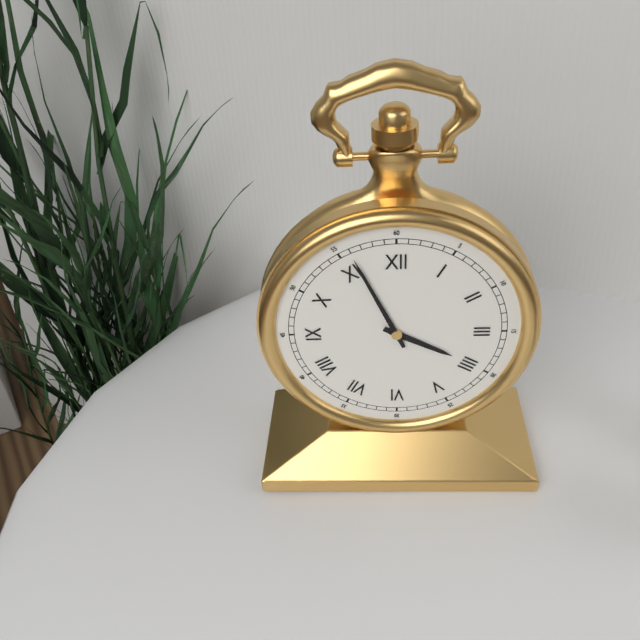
h=3 m=56
